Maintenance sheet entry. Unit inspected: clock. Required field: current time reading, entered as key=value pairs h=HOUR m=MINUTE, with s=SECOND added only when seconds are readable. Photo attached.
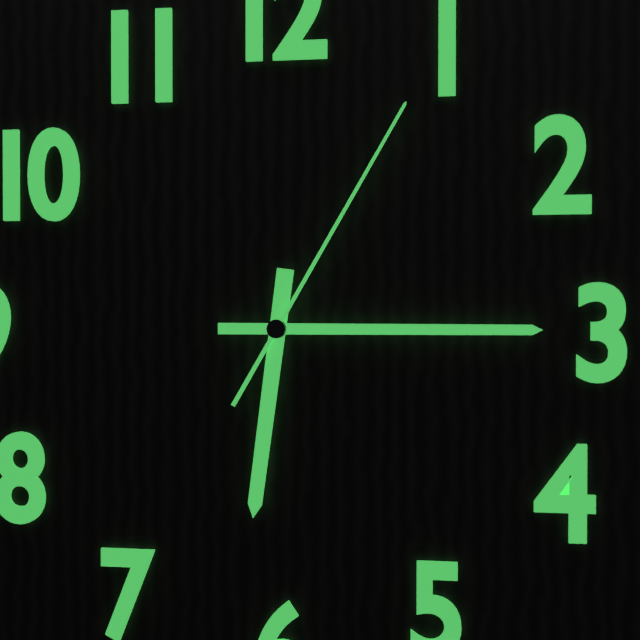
h=6 m=15 s=5
